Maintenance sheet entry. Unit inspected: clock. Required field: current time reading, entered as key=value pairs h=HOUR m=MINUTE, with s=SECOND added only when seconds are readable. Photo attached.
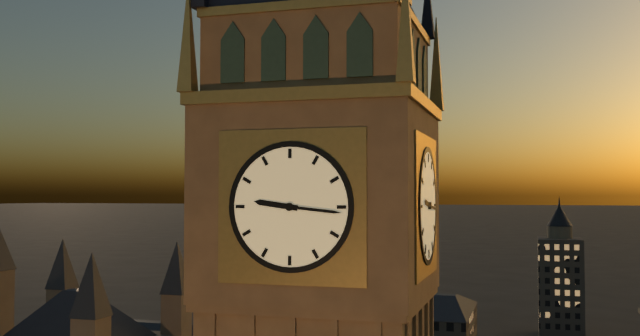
h=9 m=16
